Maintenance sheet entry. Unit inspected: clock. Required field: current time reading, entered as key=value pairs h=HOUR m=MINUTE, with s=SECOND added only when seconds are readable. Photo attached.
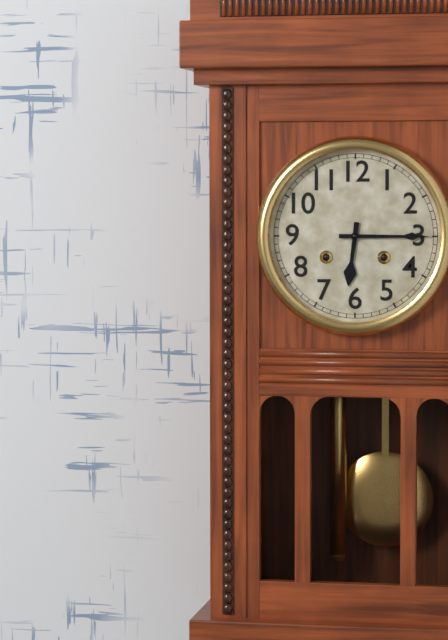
h=6 m=15
